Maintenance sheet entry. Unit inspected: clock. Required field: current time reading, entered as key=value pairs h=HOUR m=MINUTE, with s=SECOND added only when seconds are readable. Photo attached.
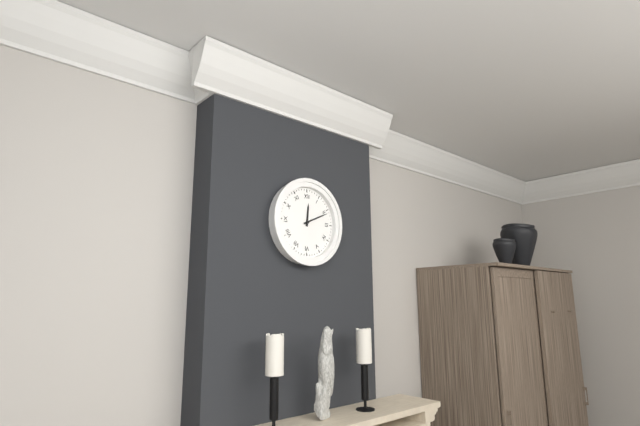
h=12 m=11
